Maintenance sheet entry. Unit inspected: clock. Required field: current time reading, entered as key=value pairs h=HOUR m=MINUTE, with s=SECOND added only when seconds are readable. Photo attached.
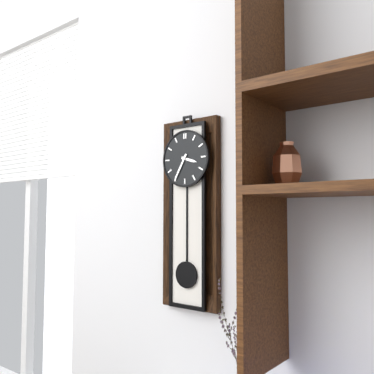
h=3 m=35
